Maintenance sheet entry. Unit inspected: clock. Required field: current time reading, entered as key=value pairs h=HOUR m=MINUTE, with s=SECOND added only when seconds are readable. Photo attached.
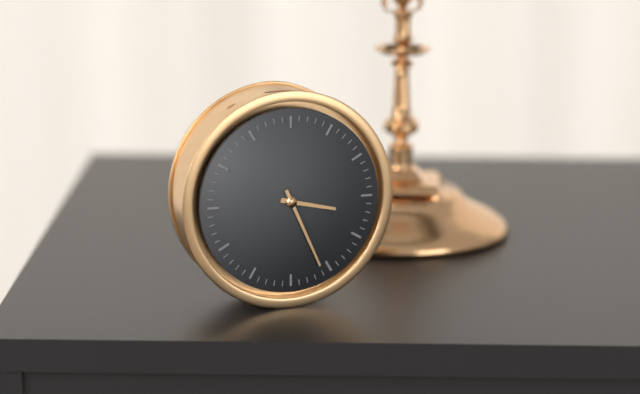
h=3 m=26
